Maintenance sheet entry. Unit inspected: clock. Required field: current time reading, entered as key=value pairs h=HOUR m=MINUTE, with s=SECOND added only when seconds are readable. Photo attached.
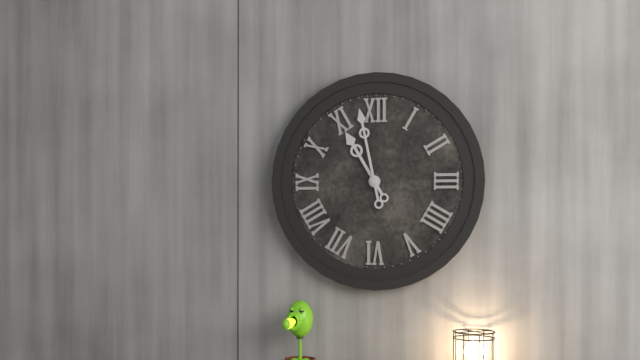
h=10 m=58
